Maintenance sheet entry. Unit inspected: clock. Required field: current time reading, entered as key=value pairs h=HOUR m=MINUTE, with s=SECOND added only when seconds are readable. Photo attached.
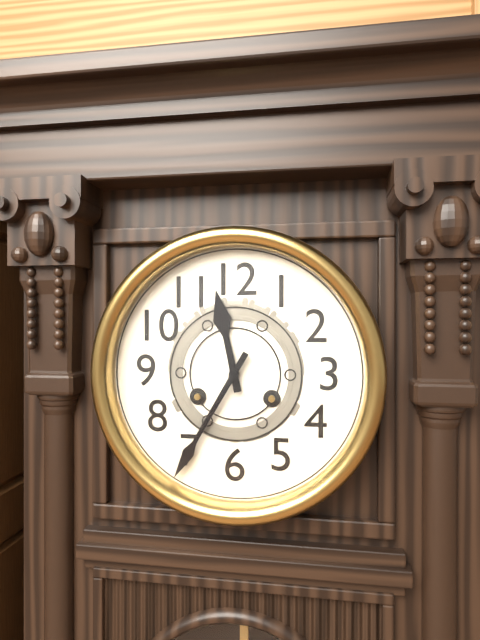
h=11 m=35
